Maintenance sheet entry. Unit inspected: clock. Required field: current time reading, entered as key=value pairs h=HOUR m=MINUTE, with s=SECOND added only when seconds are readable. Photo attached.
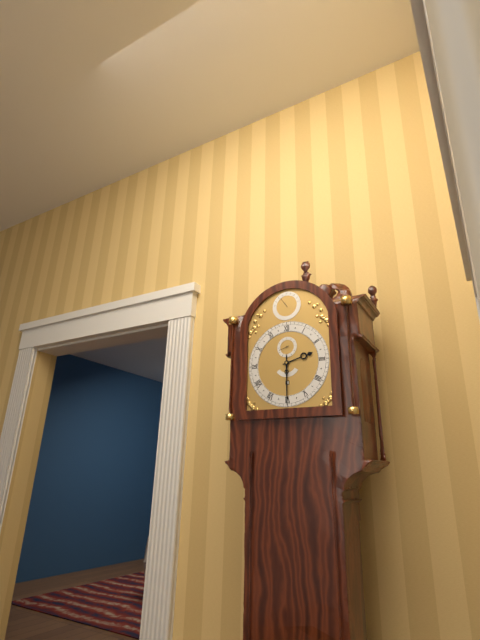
h=2 m=30
